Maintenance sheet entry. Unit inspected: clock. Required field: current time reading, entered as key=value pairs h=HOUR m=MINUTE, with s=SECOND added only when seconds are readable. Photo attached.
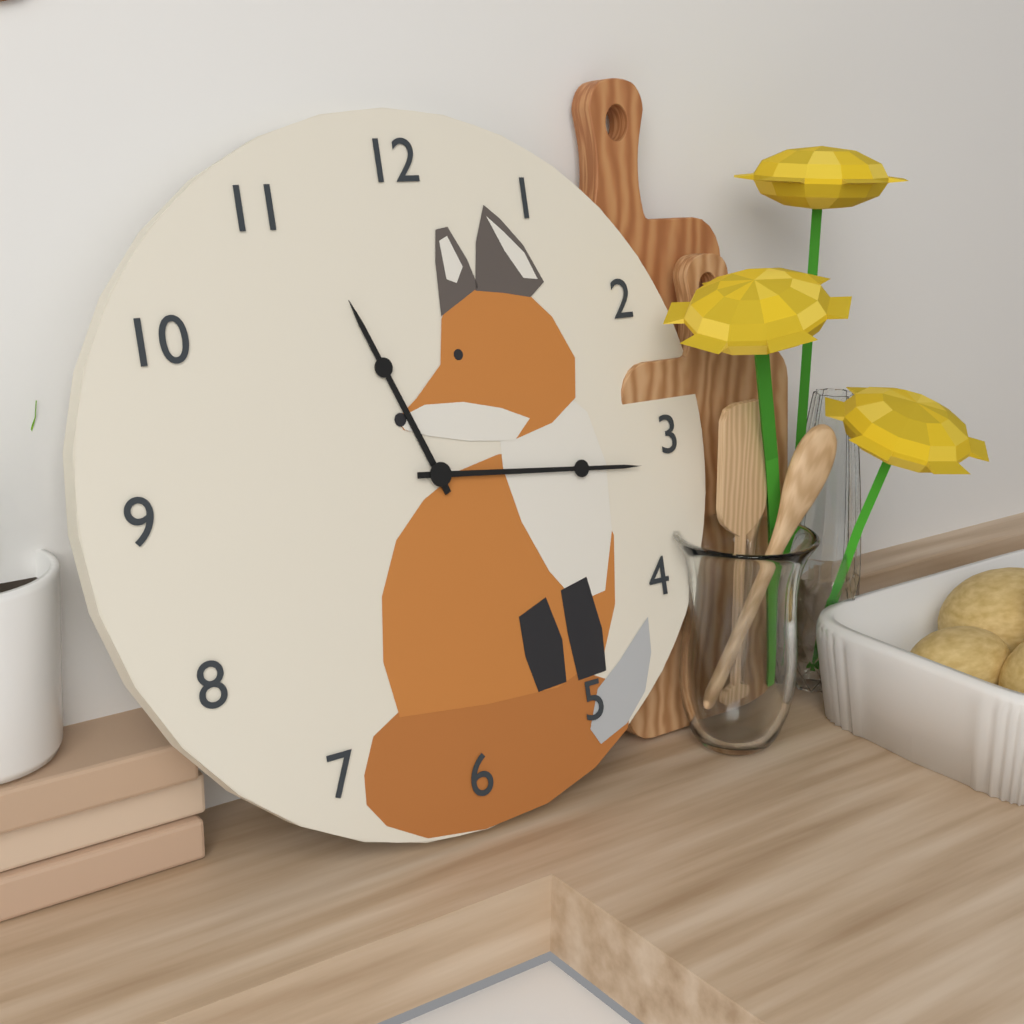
h=11 m=16
